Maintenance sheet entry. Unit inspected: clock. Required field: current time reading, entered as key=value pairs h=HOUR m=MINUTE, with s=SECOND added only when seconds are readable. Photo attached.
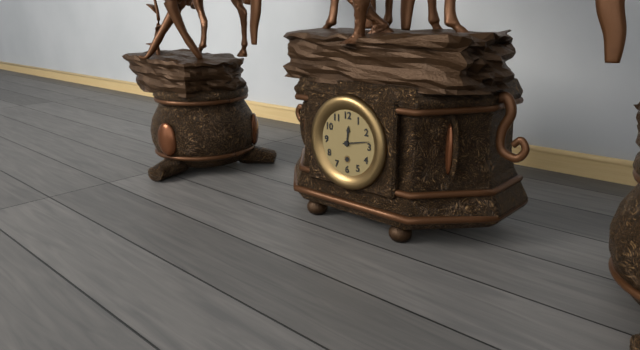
h=12 m=13
